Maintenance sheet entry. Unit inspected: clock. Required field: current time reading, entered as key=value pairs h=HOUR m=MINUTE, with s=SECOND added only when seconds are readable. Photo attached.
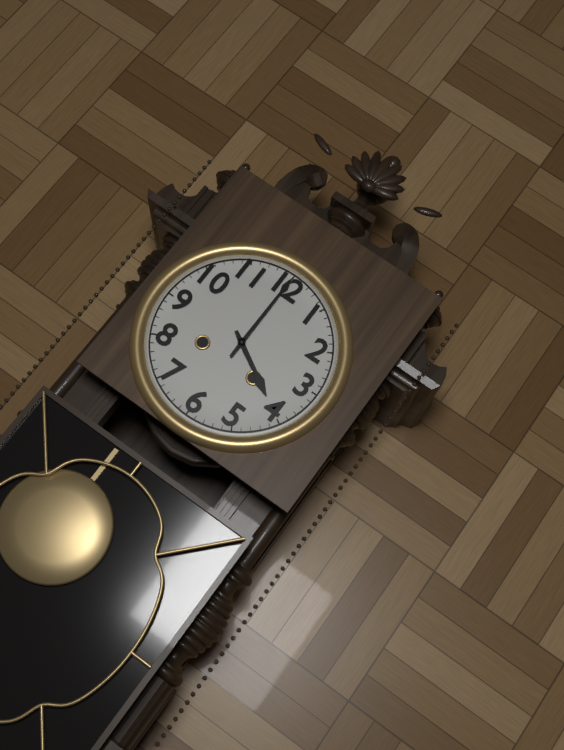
h=4 m=0
